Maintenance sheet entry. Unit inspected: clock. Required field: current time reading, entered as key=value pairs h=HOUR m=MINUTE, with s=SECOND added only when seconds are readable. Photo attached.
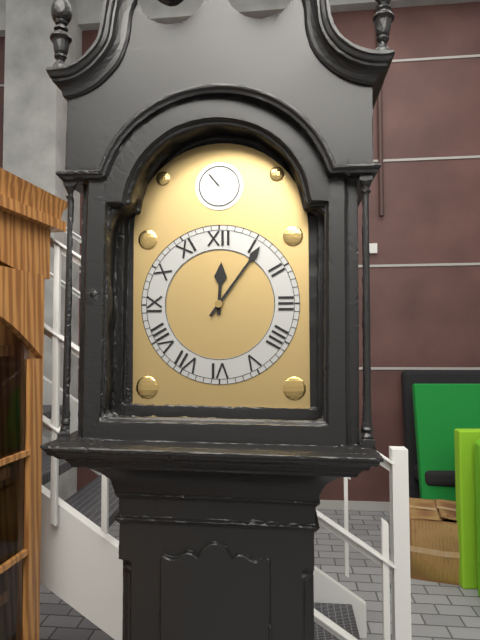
h=12 m=6
